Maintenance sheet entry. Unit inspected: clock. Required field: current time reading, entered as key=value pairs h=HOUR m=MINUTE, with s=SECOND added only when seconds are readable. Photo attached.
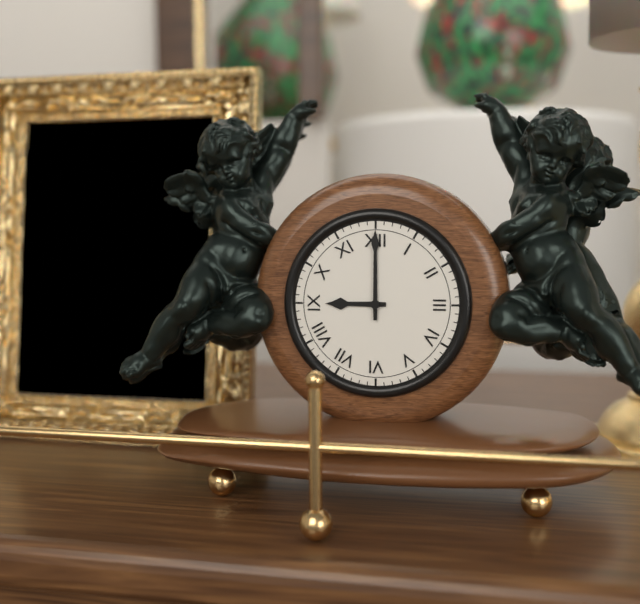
h=9 m=0
